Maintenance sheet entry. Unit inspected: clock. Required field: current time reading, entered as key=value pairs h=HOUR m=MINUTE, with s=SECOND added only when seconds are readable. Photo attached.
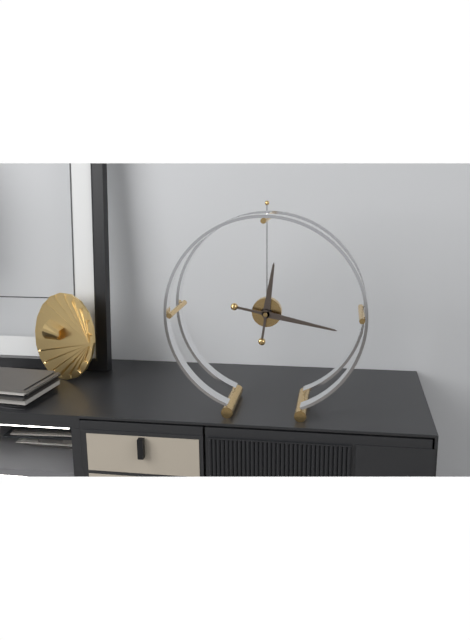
h=12 m=17
